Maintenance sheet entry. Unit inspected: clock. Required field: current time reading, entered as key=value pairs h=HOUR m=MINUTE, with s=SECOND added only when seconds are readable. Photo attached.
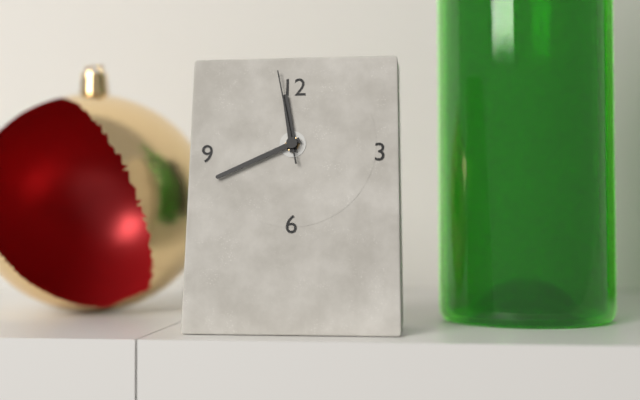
h=11 m=41 s=58
